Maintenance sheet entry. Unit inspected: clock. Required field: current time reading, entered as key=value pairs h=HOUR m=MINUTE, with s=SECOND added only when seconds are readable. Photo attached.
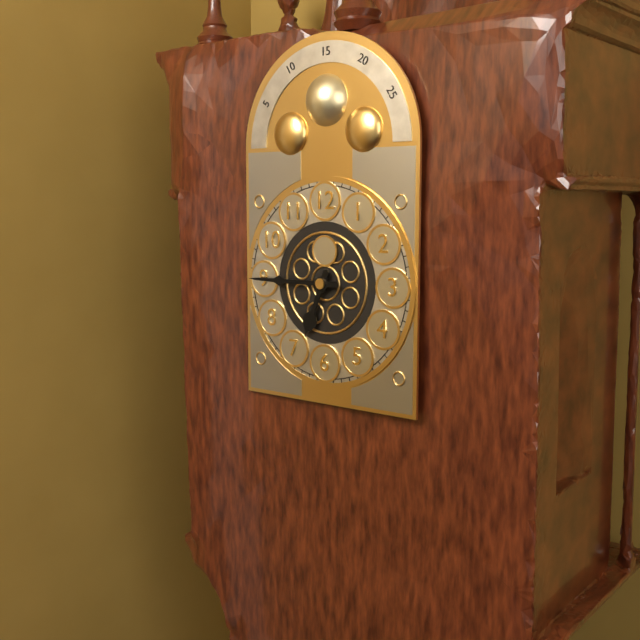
h=6 m=45
